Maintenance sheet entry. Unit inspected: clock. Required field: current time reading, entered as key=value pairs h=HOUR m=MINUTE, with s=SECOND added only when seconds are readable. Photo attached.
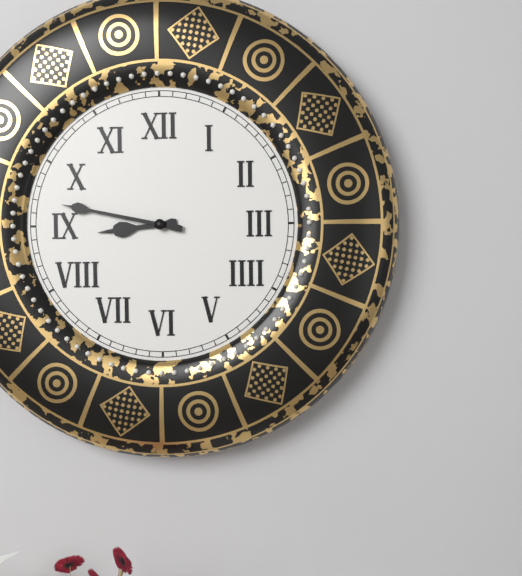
h=8 m=47
